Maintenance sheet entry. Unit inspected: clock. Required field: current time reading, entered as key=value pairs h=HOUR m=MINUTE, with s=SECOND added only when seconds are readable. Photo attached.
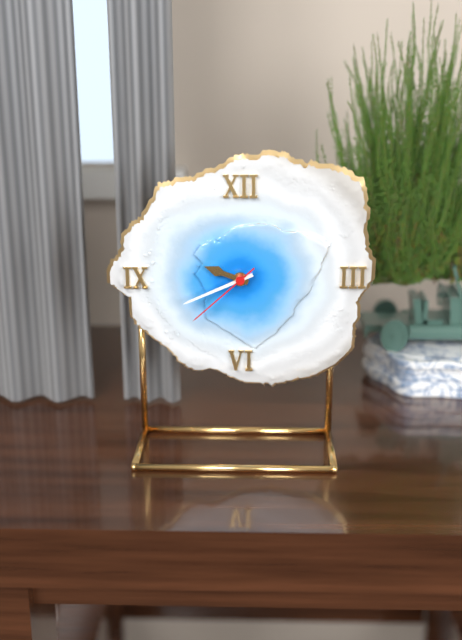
h=9 m=41 s=38
